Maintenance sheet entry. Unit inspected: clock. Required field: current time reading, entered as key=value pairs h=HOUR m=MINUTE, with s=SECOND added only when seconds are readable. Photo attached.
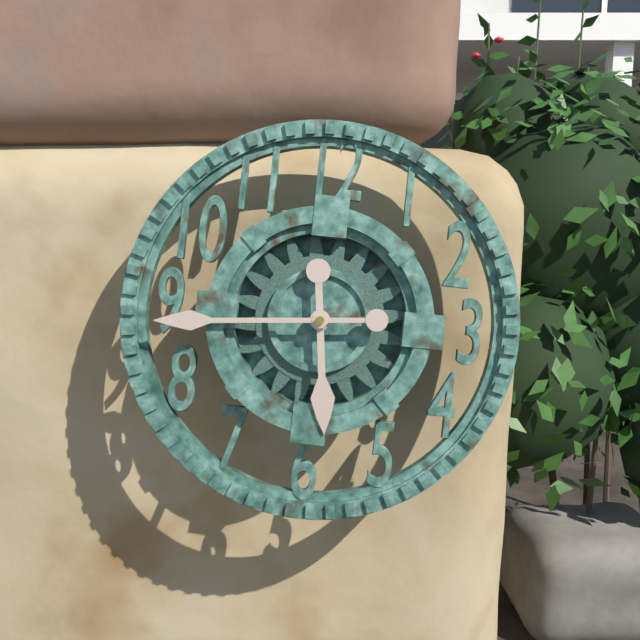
h=5 m=44
